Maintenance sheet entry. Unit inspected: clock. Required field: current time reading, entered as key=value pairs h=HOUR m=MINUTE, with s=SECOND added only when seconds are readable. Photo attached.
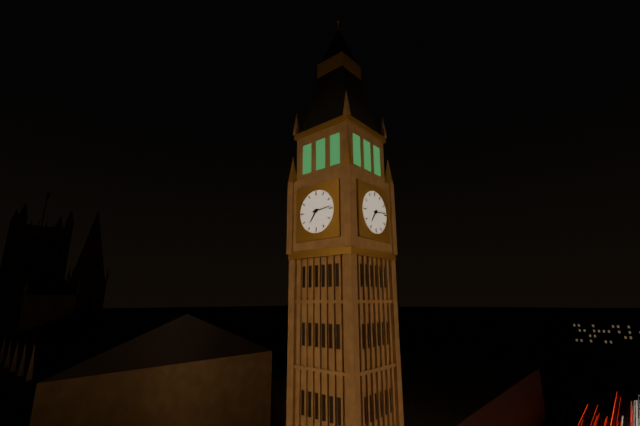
h=7 m=14
